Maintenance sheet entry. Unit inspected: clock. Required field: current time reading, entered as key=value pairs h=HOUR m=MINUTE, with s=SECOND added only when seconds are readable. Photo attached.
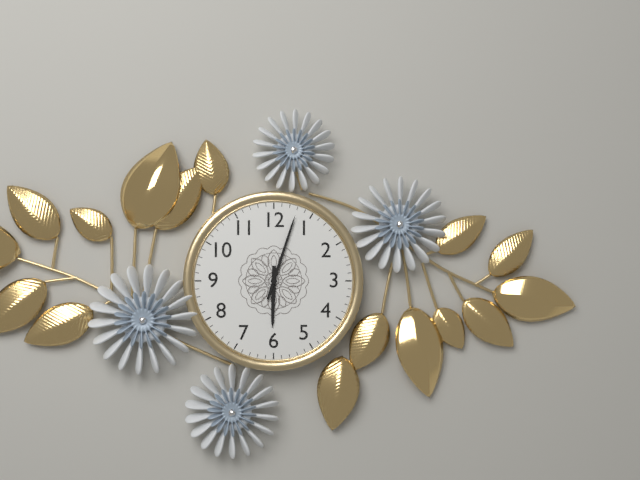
h=6 m=3
